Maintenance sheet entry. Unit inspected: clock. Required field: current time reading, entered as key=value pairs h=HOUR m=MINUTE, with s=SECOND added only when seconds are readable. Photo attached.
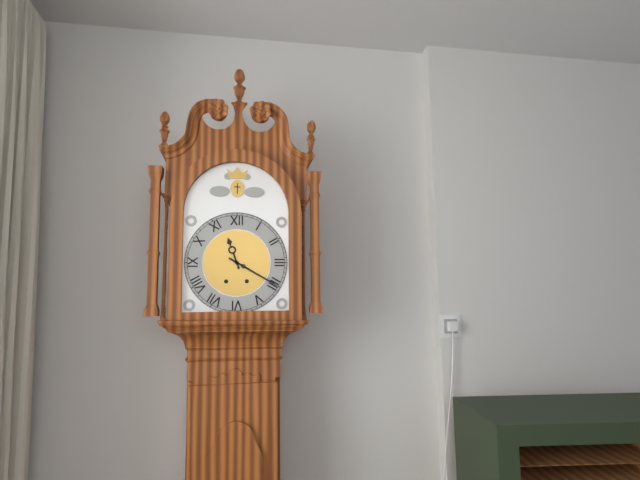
h=11 m=20
